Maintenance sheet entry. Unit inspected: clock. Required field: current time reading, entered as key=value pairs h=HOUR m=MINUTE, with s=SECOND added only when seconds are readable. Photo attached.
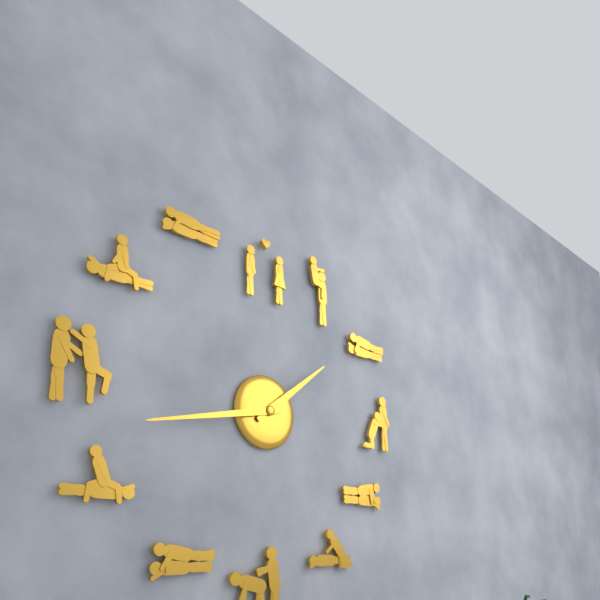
h=1 m=43
